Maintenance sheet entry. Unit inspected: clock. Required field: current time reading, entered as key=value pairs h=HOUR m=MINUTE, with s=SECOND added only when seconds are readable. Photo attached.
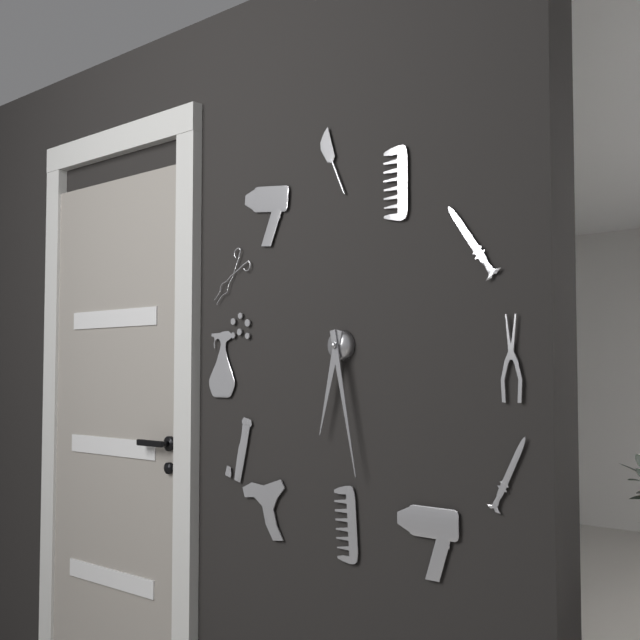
h=6 m=28
